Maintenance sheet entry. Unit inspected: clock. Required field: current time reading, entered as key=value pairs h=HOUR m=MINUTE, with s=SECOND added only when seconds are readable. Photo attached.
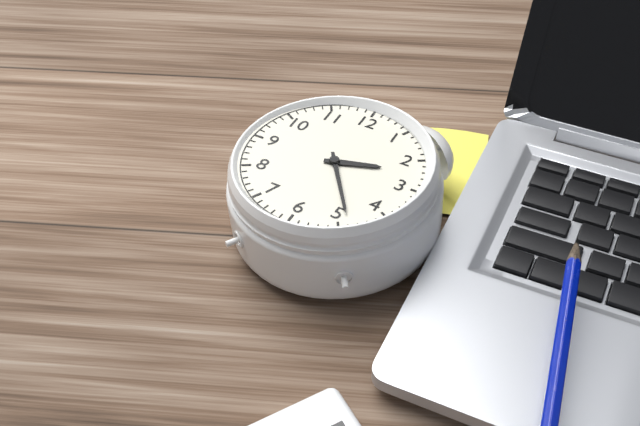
h=2 m=24
